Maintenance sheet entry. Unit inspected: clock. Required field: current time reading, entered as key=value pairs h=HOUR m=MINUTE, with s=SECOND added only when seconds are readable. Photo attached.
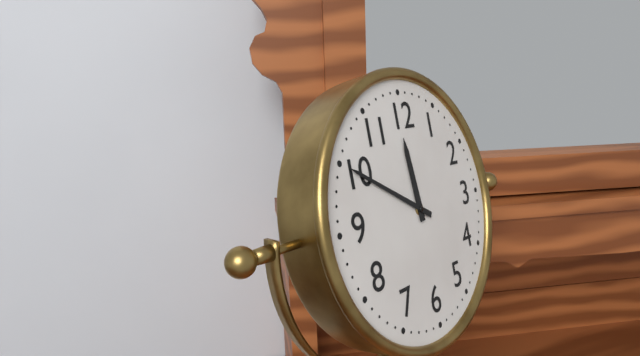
h=11 m=50
